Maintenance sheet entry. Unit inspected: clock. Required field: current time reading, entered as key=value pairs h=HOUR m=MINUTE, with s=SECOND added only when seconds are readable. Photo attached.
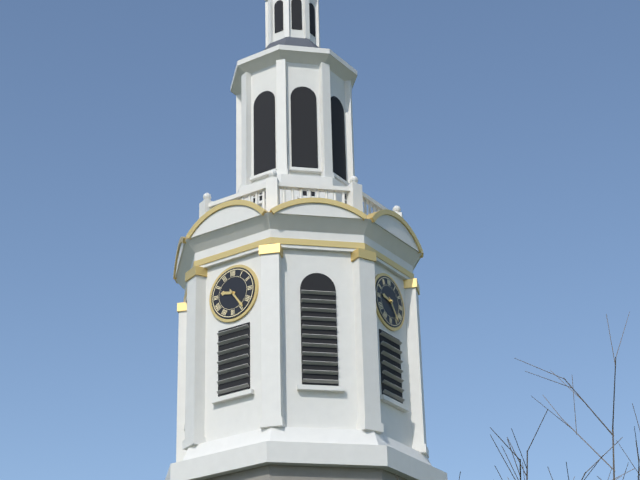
h=9 m=24
